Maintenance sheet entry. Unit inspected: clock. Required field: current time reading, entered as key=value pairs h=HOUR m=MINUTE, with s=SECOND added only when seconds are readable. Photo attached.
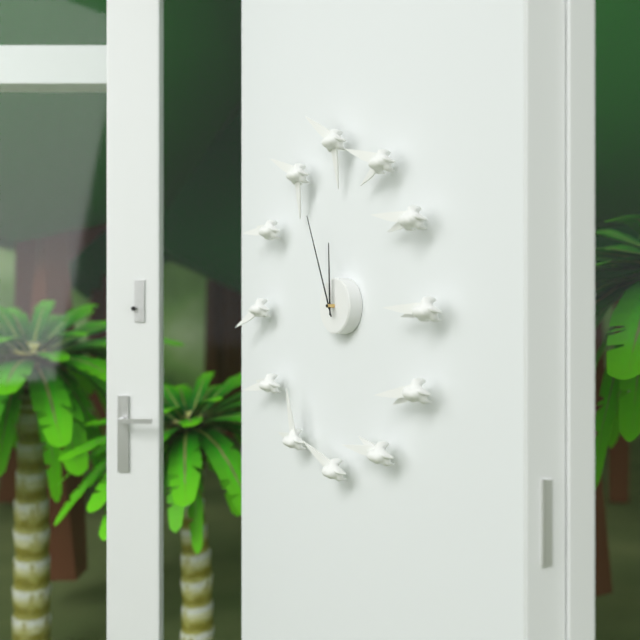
h=11 m=56
